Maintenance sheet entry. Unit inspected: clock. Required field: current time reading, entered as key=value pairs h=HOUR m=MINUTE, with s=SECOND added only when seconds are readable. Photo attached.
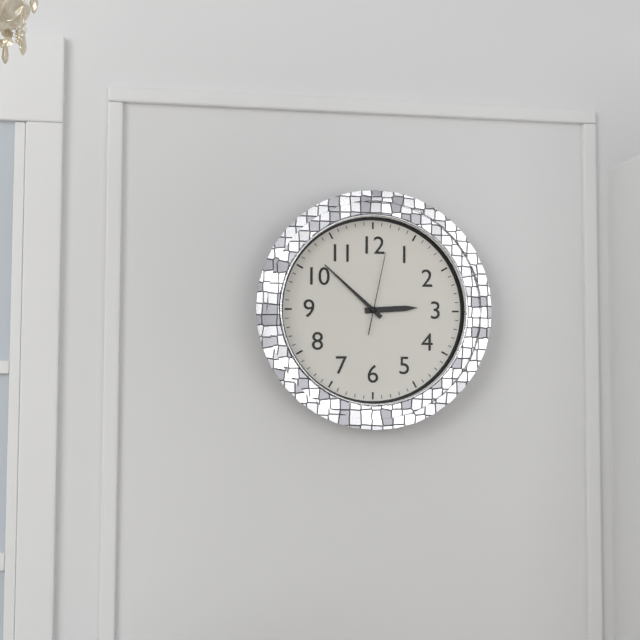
h=2 m=52 s=2
